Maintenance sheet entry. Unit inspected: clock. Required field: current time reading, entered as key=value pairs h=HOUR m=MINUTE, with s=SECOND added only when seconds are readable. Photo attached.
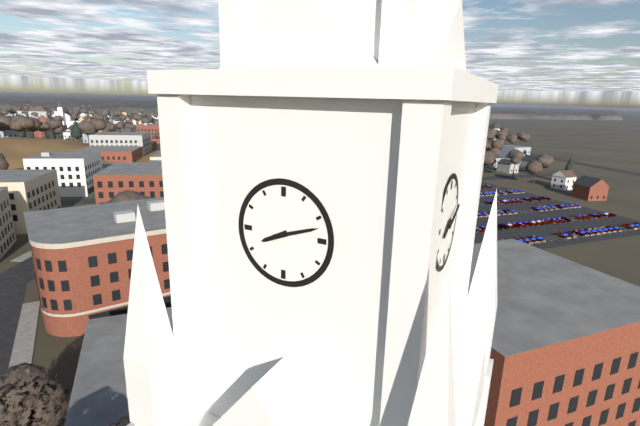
h=8 m=12
